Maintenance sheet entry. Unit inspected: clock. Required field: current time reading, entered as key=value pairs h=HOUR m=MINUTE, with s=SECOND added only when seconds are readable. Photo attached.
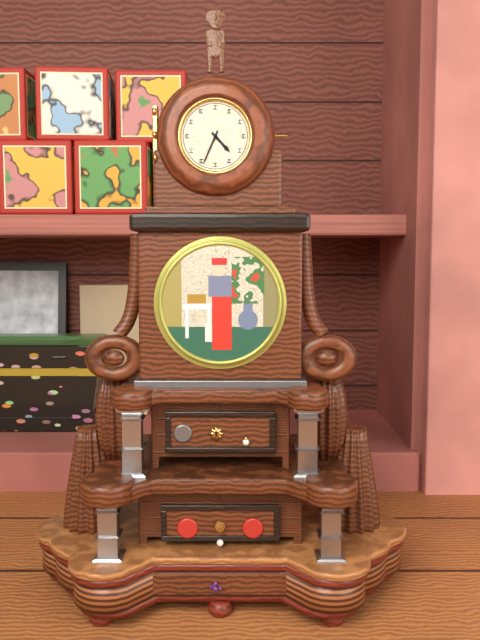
h=4 m=34
